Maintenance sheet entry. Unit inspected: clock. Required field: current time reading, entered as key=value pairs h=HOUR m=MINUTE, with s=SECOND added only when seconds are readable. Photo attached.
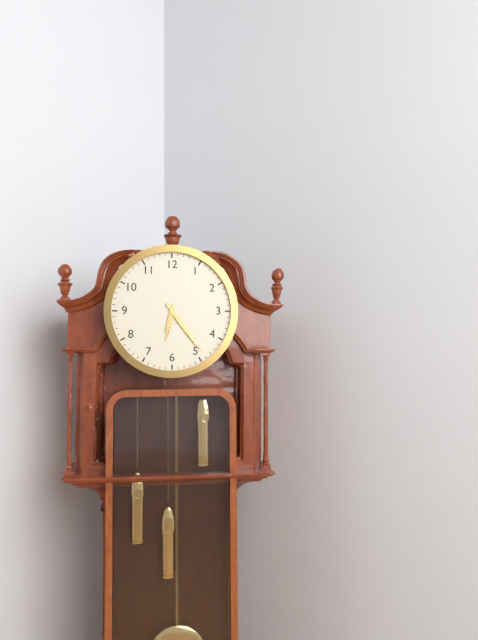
h=6 m=24
